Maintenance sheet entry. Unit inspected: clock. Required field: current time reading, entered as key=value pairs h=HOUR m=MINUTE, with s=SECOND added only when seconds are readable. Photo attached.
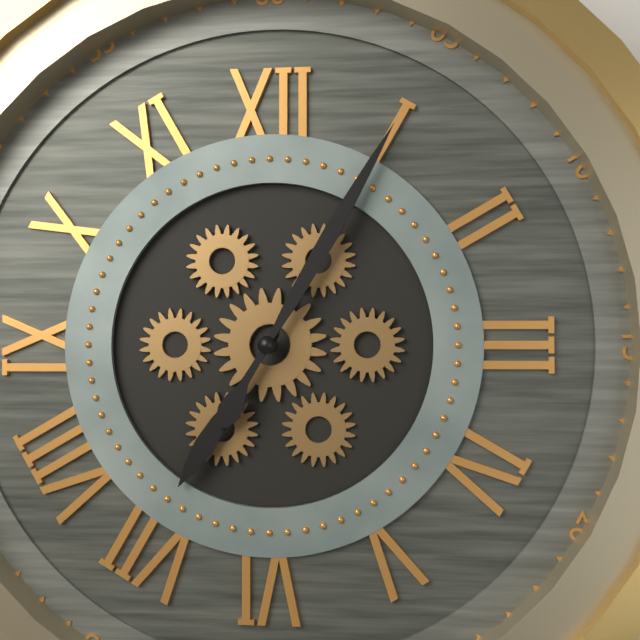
h=7 m=5
